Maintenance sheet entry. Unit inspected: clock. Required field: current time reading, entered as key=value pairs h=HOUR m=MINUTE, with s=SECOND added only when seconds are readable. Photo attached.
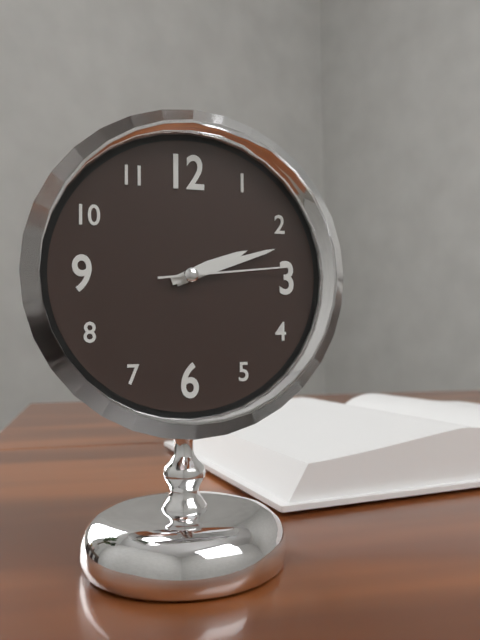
h=2 m=12 s=14
